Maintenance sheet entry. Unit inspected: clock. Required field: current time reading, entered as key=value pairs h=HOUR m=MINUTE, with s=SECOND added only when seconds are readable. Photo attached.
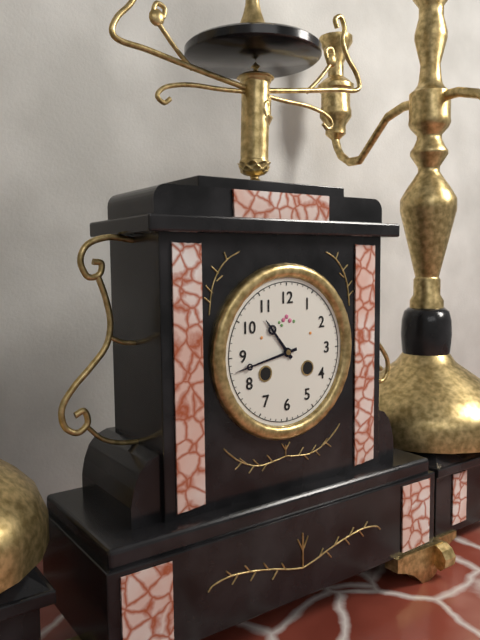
h=10 m=43
